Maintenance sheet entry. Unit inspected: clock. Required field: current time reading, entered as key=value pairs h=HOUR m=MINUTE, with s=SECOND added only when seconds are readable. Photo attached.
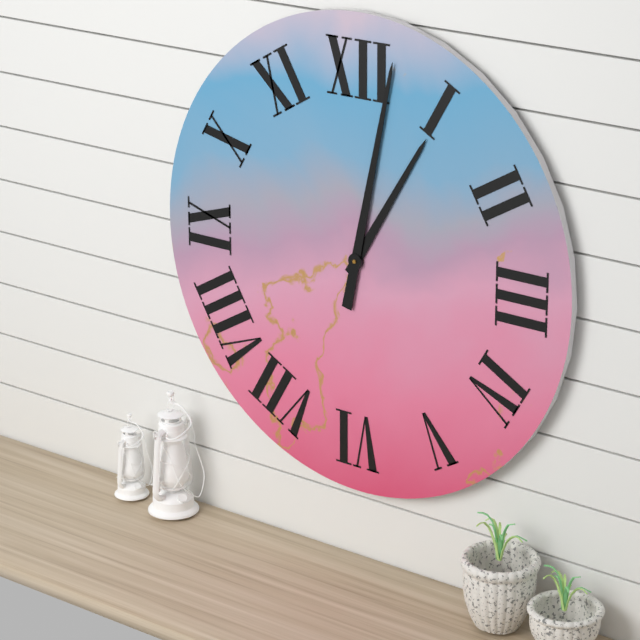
h=1 m=2
